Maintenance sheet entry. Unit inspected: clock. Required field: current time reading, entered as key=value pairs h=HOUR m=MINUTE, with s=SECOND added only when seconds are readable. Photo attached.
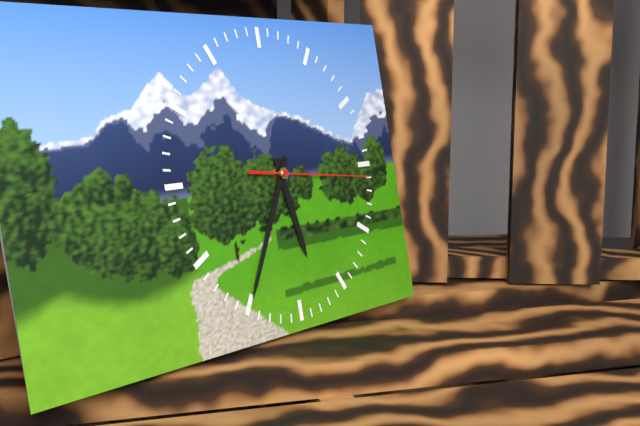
h=5 m=35 s=16
